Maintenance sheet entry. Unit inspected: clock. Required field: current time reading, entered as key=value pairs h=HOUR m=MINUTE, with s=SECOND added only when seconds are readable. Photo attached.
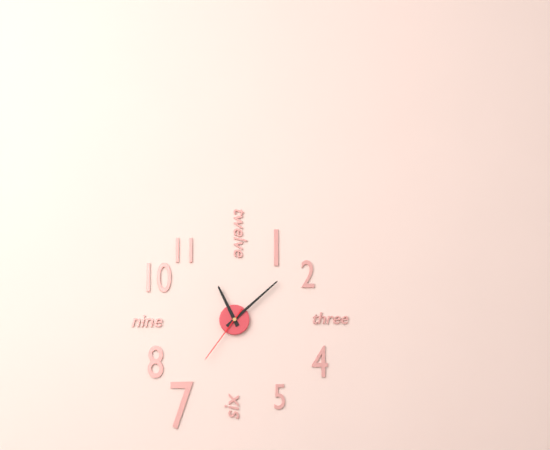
h=11 m=8 s=36
